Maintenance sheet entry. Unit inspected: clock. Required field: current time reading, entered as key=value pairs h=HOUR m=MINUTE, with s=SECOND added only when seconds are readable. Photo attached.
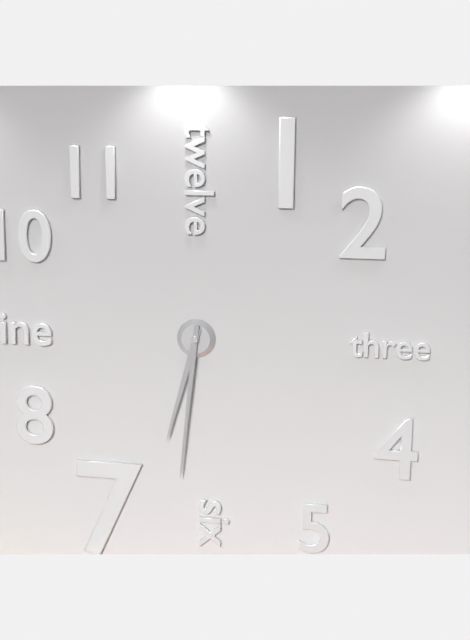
h=6 m=31
